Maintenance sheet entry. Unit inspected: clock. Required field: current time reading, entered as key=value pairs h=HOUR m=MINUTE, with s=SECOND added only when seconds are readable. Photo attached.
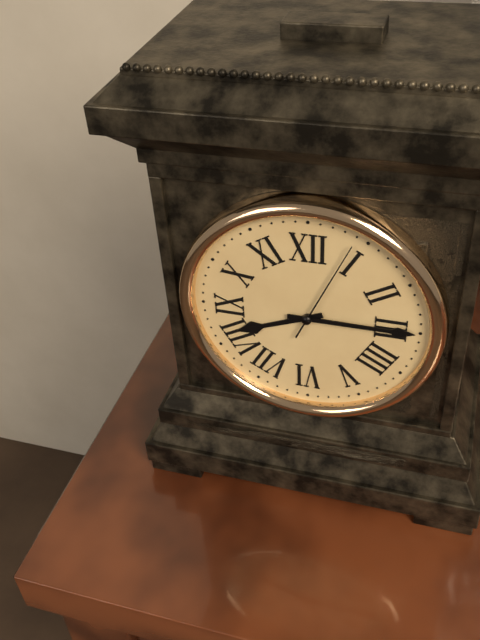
h=8 m=15 s=4
